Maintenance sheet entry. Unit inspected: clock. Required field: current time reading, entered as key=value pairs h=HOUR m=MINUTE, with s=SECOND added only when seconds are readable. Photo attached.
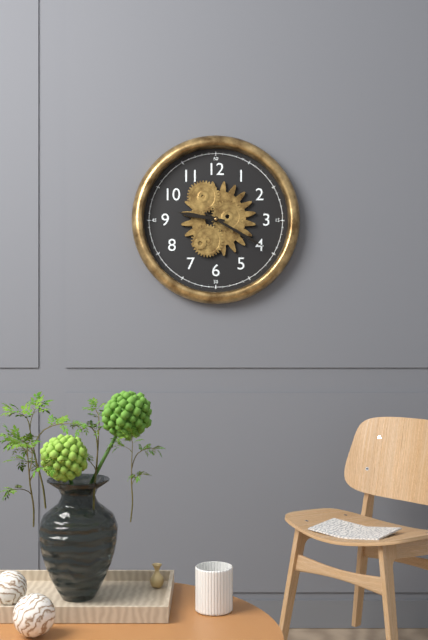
h=9 m=20
